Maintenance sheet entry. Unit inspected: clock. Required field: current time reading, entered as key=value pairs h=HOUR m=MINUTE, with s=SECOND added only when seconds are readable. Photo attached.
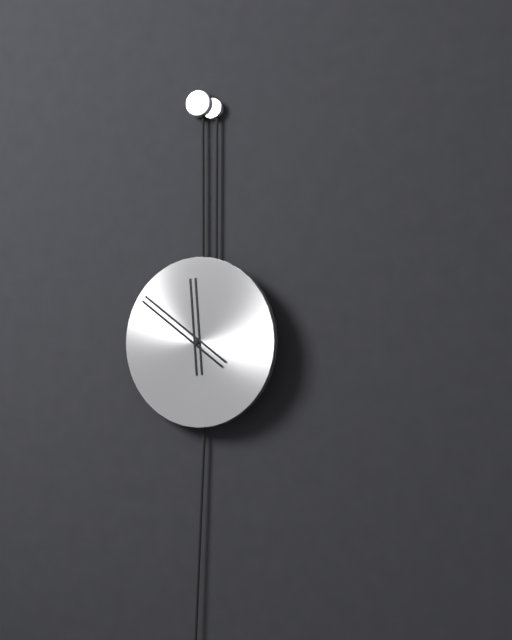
h=11 m=51
